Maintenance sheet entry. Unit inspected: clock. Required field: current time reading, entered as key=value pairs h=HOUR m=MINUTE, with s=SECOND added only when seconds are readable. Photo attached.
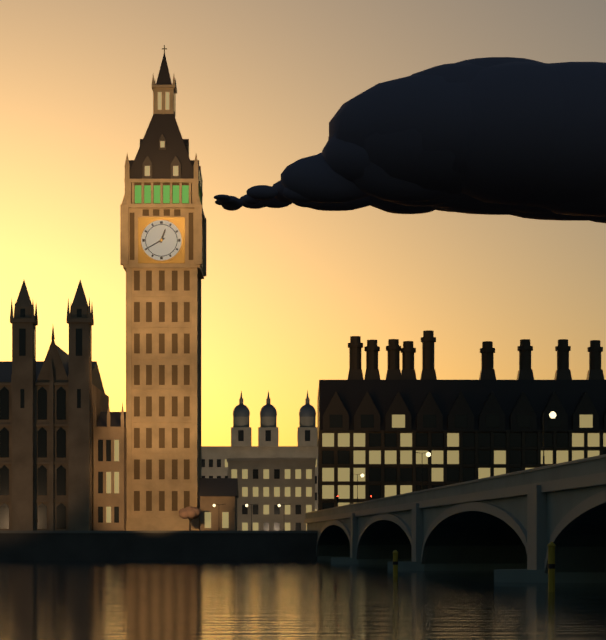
h=12 m=40
